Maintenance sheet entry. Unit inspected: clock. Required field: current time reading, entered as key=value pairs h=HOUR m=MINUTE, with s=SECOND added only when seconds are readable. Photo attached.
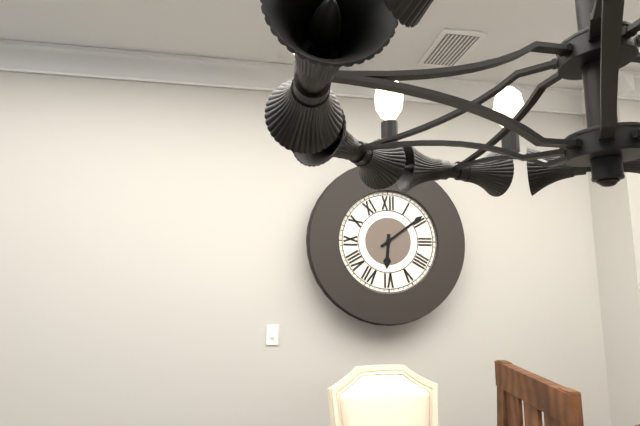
h=6 m=9
